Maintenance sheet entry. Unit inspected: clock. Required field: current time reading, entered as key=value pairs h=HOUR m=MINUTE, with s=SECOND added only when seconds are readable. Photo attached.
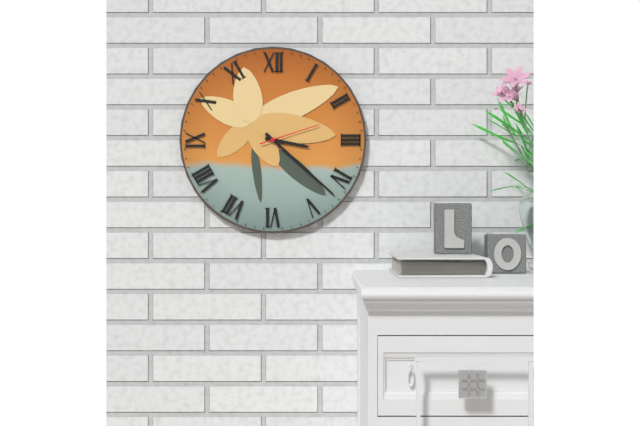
h=3 m=22 s=12
